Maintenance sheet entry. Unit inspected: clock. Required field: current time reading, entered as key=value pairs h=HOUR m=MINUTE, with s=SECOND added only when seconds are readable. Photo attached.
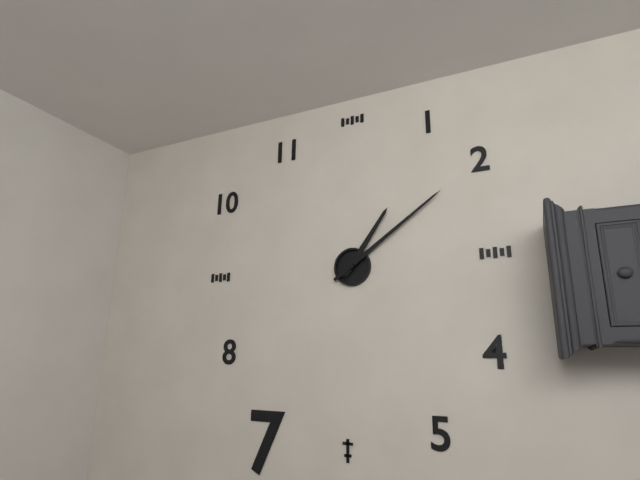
h=1 m=9
